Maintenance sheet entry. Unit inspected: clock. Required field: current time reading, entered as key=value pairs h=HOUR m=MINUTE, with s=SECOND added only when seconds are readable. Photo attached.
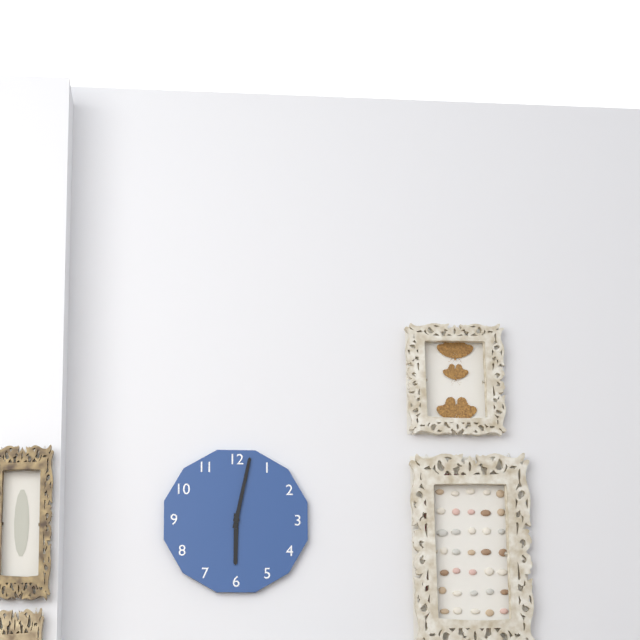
h=6 m=2
